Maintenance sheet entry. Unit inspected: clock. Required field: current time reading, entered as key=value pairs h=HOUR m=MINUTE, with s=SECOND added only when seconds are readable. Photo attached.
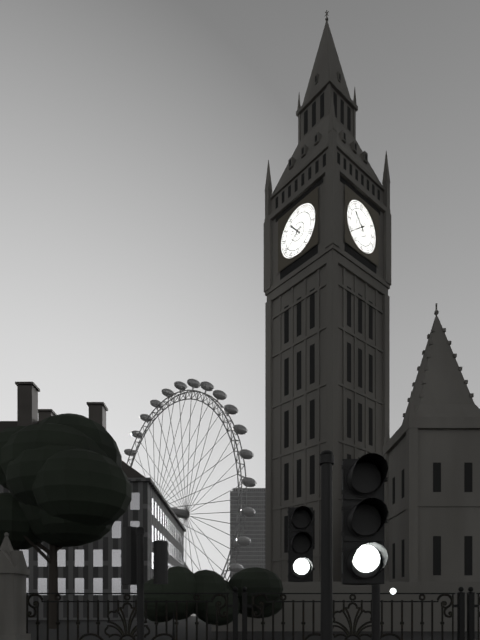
h=10 m=39
